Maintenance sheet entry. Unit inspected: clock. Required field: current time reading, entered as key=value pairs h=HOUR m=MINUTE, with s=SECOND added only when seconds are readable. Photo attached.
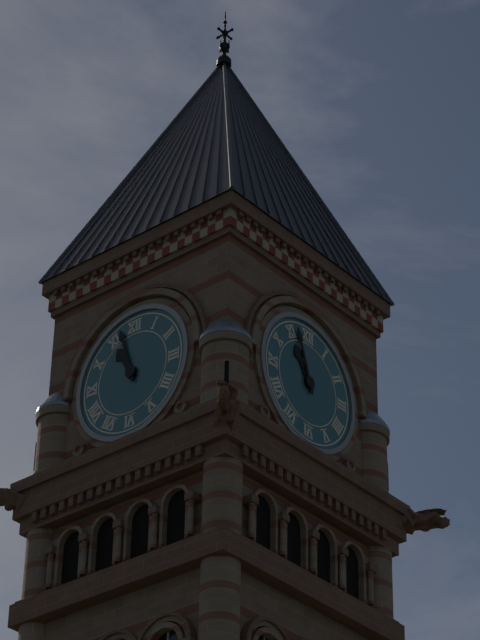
h=10 m=57
